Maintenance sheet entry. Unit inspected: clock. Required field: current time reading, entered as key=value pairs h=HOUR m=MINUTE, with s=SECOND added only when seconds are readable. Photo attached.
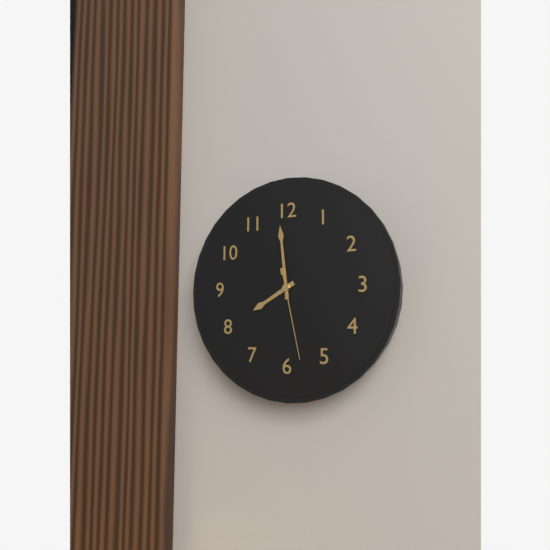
h=7 m=59 s=28
